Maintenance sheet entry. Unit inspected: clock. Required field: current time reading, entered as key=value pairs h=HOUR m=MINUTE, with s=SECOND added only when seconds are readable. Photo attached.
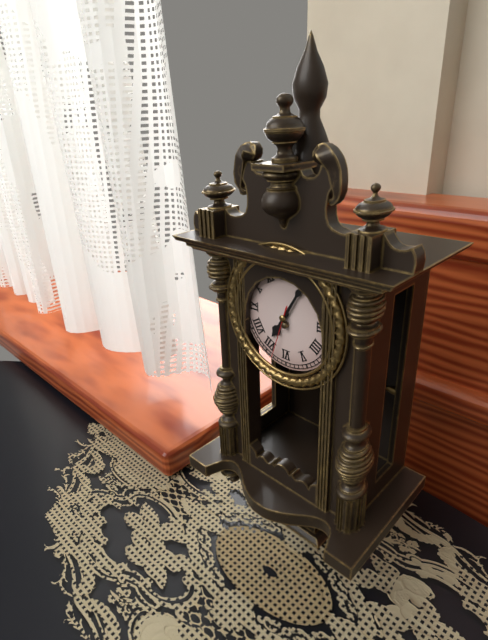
h=7 m=5 s=33
